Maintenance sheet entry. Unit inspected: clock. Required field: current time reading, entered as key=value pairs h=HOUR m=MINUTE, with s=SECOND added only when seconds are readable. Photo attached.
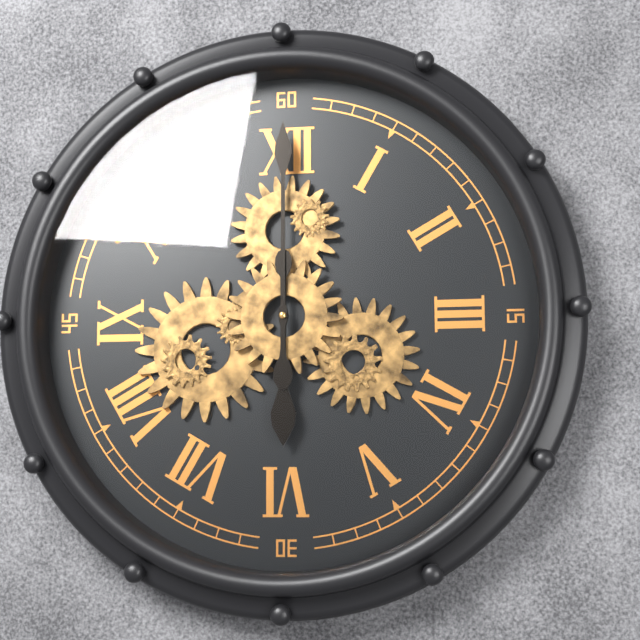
h=6 m=0
